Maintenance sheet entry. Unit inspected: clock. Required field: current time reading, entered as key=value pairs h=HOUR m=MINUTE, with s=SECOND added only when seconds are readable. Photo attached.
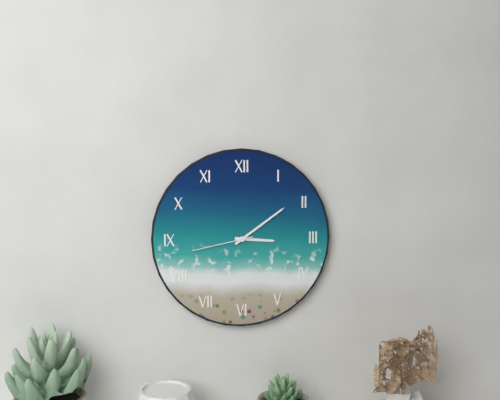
h=3 m=9 s=43
